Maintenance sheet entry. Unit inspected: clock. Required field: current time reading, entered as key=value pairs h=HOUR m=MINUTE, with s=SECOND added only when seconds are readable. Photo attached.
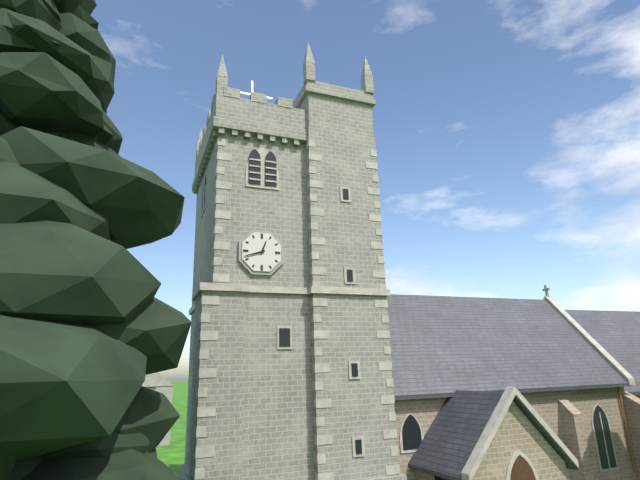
h=12 m=42
